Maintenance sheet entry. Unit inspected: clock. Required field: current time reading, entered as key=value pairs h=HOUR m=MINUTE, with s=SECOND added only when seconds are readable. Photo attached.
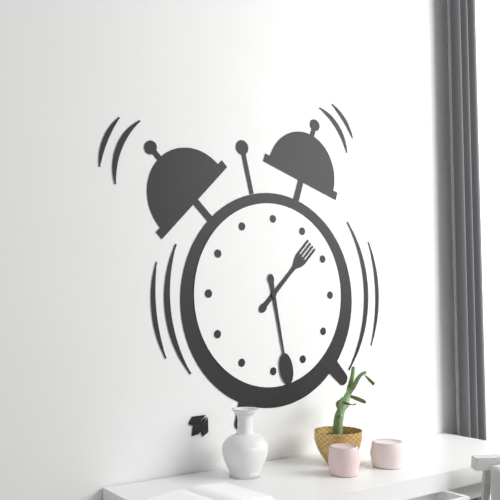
h=1 m=28
